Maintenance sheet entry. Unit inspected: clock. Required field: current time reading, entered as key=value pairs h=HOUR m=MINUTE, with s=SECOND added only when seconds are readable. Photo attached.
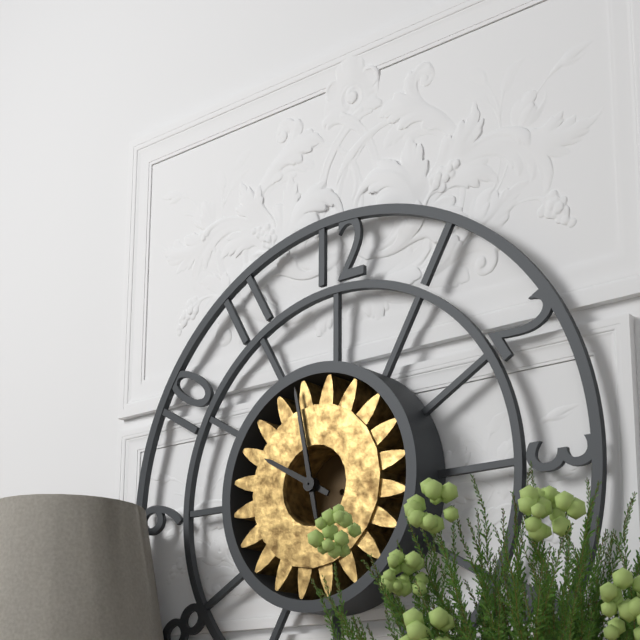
h=9 m=58
